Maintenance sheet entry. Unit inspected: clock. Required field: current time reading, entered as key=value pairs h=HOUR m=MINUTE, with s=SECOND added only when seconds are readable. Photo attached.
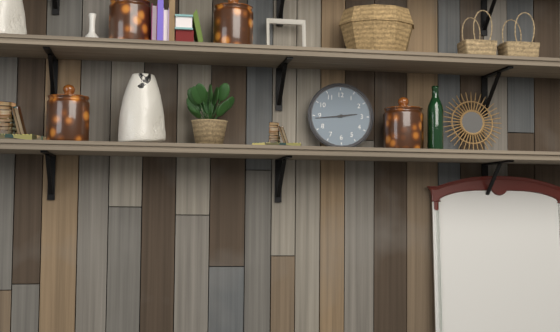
h=2 m=44
